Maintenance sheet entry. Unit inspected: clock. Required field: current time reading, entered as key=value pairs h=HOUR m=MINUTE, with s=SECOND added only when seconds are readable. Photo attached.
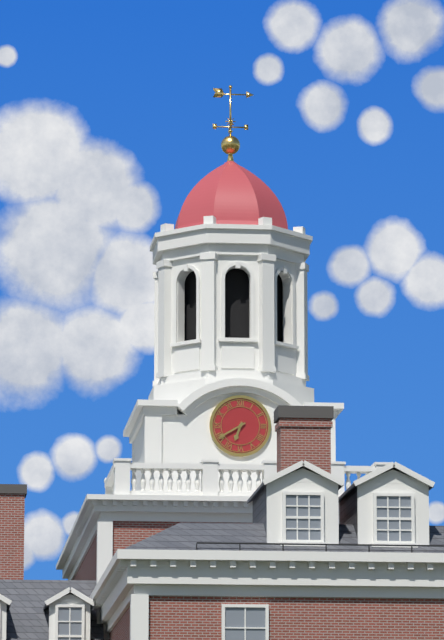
h=6 m=40
